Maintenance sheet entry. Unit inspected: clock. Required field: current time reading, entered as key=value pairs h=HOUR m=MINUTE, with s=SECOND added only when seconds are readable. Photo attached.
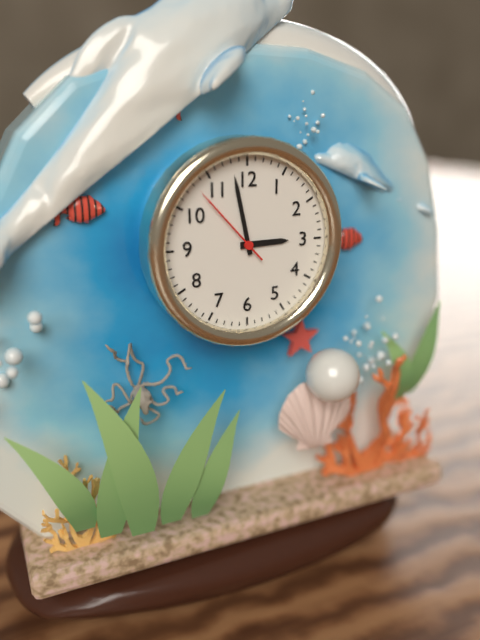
h=2 m=58 s=53
